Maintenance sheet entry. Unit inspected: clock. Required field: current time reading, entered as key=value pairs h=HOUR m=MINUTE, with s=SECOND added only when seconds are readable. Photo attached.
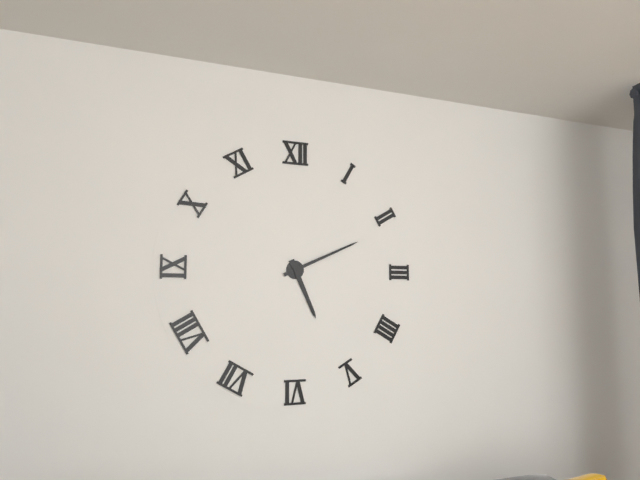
h=5 m=11
